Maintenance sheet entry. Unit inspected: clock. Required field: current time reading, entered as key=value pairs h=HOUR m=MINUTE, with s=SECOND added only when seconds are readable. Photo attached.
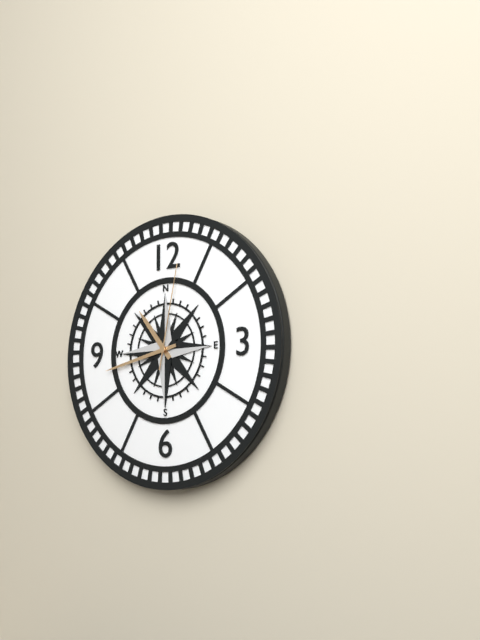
h=10 m=43 s=2
